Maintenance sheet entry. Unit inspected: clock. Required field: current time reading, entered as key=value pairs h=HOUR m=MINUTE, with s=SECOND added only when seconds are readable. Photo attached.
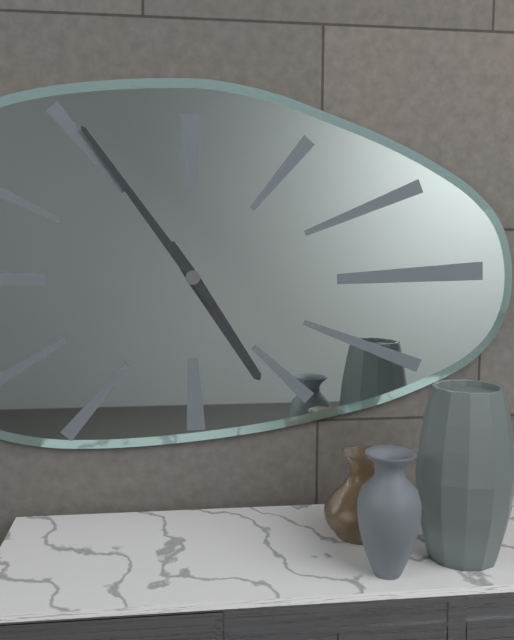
h=4 m=54
